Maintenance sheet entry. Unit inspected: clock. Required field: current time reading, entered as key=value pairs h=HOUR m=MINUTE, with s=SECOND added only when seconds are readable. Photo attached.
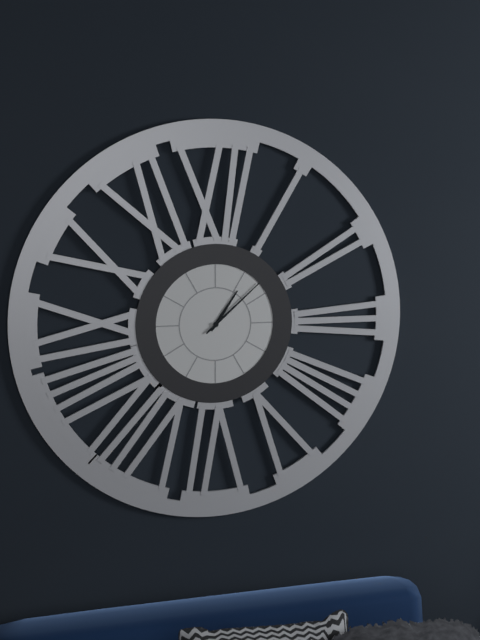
h=1 m=8
